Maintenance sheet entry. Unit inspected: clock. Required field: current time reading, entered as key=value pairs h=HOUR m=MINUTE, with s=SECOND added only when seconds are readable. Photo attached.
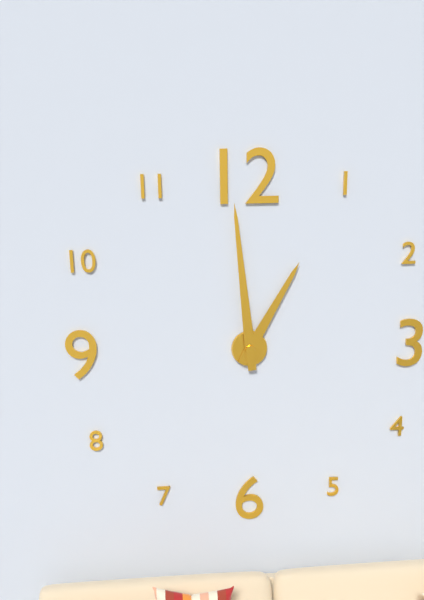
h=12 m=59
